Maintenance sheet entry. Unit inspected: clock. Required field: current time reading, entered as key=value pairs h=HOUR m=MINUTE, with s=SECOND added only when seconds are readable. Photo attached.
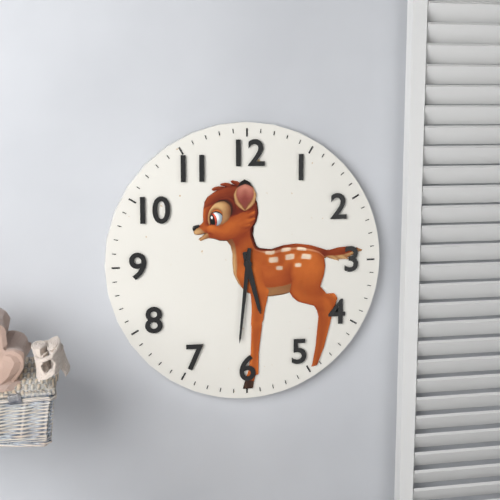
h=5 m=31
